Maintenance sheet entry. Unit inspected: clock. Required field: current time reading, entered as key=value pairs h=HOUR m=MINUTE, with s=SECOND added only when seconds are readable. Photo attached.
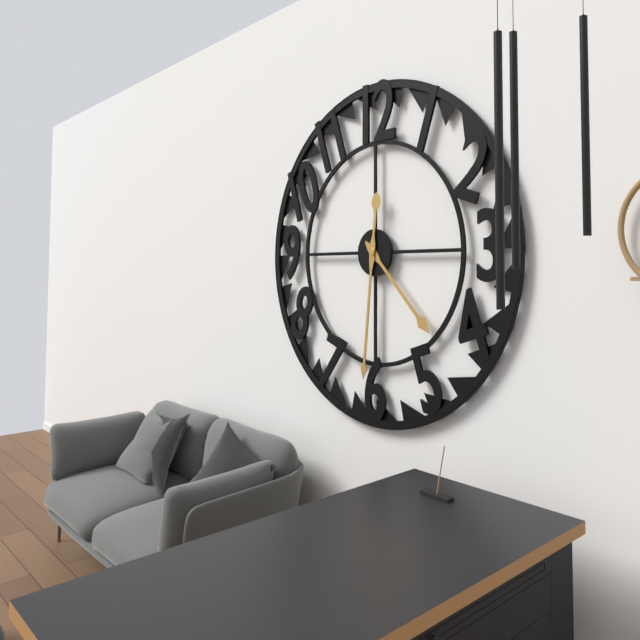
h=4 m=31
